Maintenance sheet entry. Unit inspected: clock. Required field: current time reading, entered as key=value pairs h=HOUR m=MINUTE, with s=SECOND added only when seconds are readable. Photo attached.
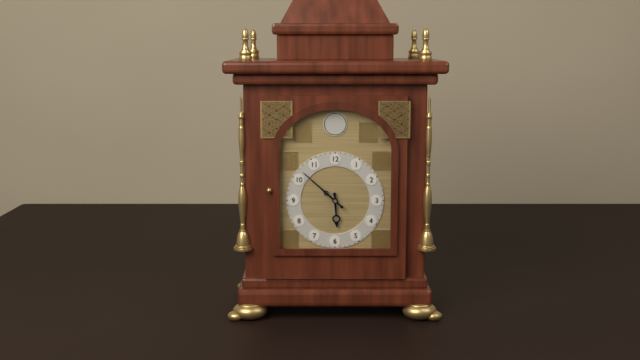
h=5 m=52
